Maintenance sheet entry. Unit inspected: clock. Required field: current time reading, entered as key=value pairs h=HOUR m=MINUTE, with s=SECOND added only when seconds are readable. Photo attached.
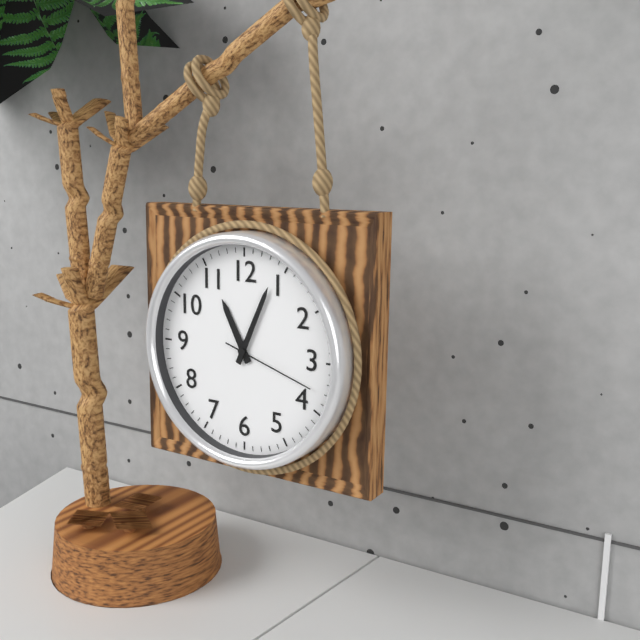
h=11 m=4 s=18
